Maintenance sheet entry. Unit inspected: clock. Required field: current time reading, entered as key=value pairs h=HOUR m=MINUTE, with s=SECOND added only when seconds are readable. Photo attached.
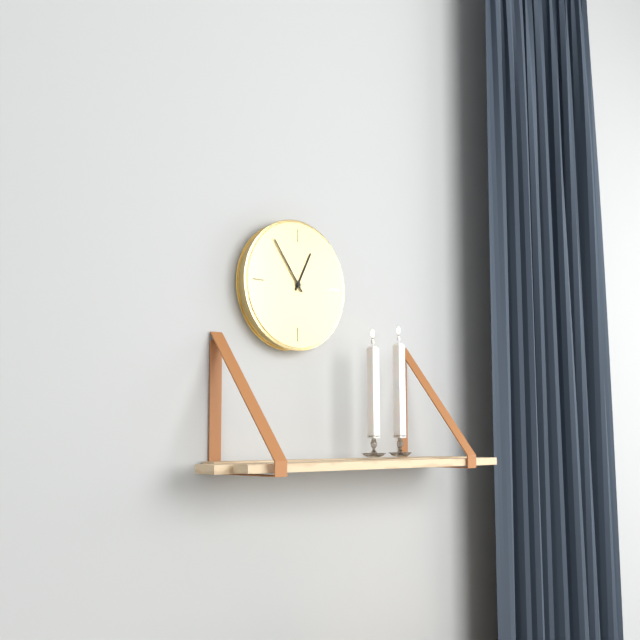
h=12 m=54
